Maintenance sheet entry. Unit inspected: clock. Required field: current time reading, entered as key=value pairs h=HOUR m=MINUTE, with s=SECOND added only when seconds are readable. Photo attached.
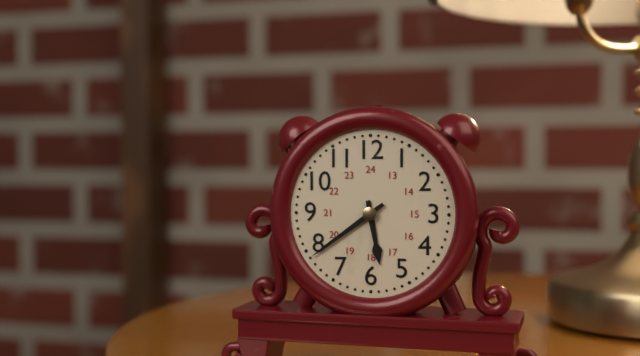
h=5 m=39
